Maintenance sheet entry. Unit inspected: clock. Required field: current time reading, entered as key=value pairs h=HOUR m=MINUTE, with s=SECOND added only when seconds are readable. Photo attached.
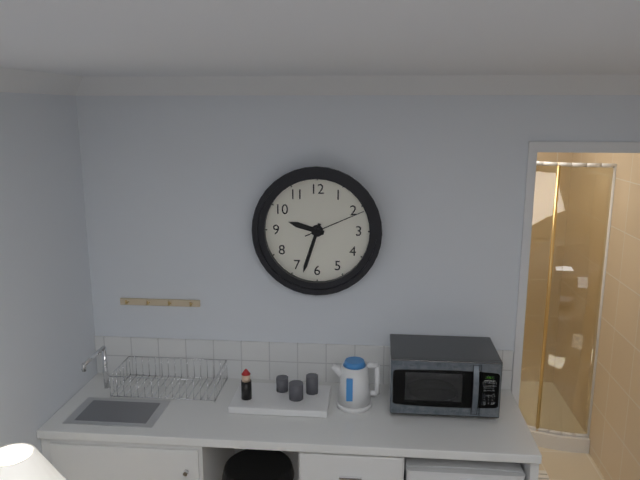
h=9 m=33 s=11
